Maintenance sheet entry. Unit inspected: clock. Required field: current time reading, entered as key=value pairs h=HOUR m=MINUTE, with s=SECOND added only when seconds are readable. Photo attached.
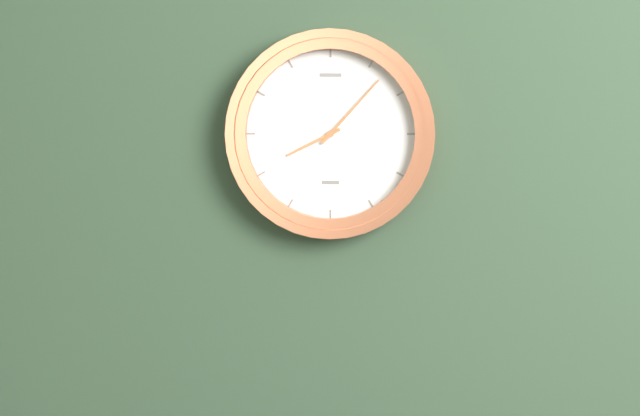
h=8 m=7
